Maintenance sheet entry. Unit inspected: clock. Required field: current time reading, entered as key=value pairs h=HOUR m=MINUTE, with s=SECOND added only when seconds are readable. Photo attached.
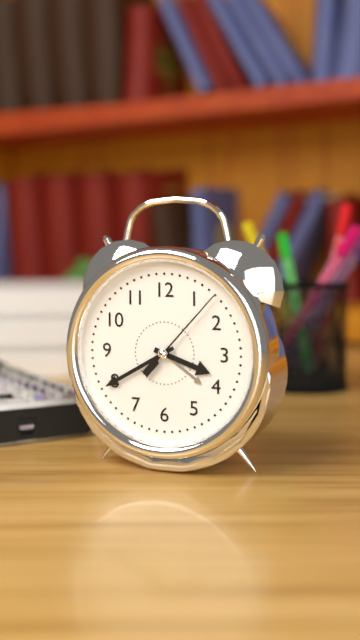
h=3 m=40 s=7
